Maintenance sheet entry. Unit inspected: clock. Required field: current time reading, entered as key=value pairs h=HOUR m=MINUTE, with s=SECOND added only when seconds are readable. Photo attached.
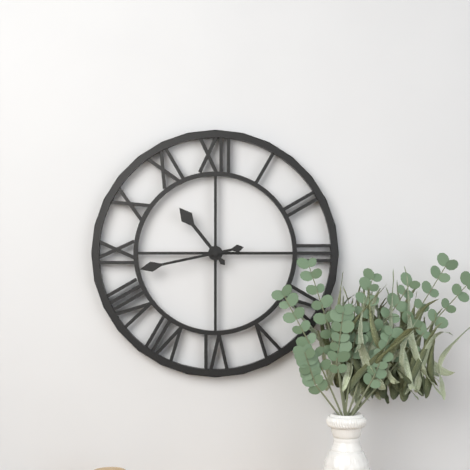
h=10 m=43
